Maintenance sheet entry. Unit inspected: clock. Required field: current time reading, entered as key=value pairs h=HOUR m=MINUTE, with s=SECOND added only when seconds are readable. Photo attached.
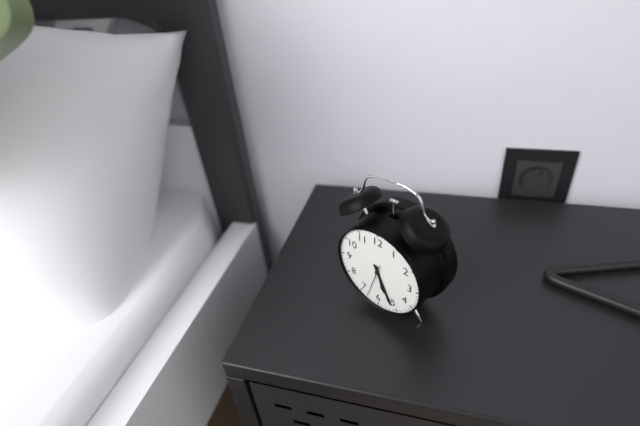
h=5 m=26
